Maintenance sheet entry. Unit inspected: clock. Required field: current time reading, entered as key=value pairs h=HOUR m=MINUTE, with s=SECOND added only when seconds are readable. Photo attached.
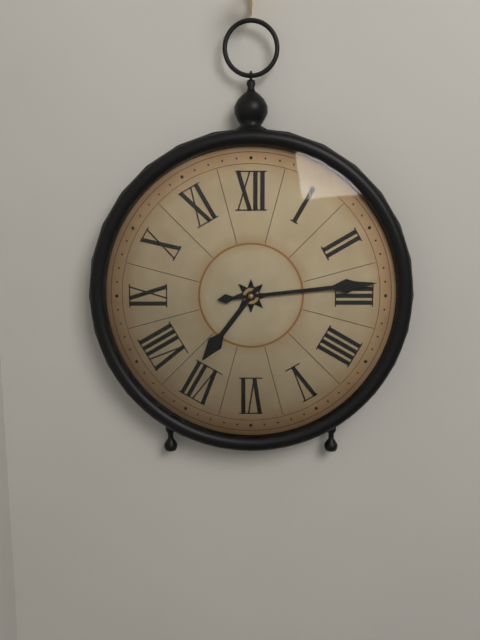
h=7 m=14
